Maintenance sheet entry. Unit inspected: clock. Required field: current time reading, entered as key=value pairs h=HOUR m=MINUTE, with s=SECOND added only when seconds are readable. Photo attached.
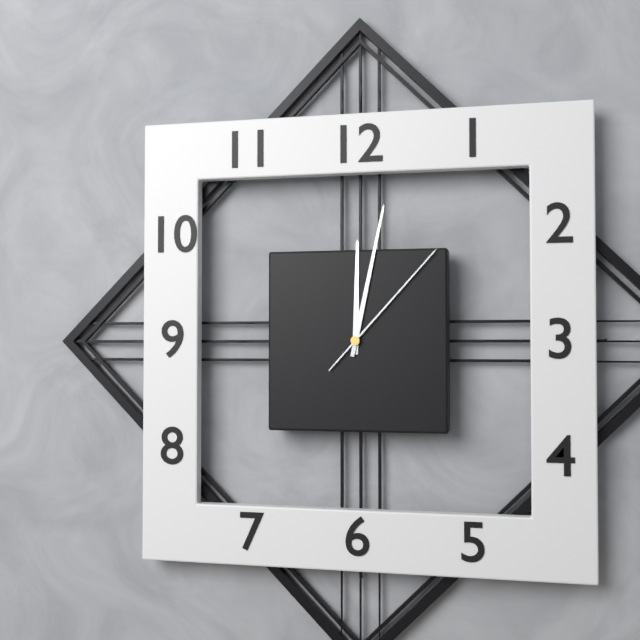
h=12 m=2 s=7
